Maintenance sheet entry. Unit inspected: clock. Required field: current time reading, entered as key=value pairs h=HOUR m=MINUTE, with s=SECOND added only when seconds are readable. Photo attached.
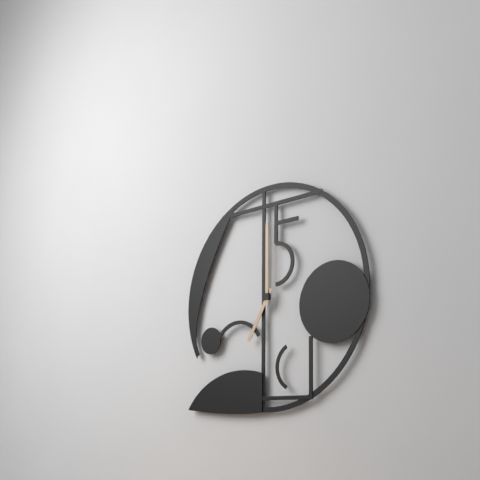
h=7 m=0
